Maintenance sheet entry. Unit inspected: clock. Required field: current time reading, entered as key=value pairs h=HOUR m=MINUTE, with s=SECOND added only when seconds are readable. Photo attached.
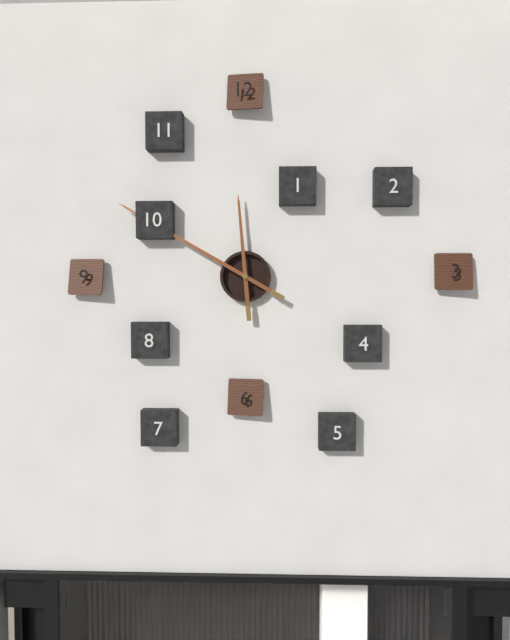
h=11 m=50
